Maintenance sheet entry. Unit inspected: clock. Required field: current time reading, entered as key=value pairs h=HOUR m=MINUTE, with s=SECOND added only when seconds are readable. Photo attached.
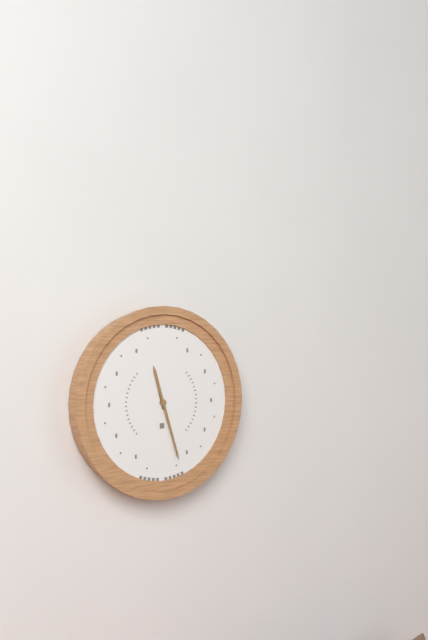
h=11 m=27
